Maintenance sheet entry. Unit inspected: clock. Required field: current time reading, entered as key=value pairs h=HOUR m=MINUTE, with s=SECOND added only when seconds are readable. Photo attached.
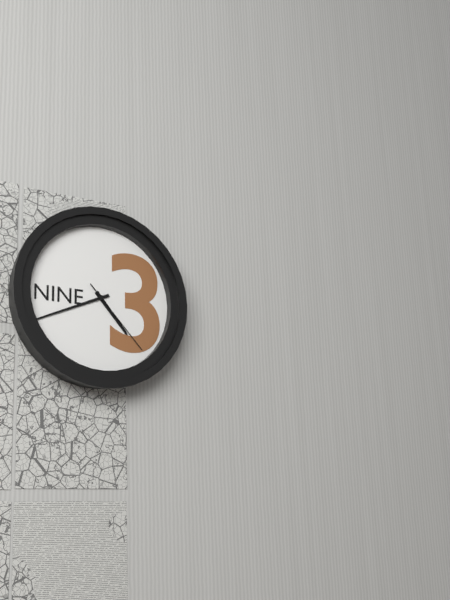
h=4 m=41 s=23
